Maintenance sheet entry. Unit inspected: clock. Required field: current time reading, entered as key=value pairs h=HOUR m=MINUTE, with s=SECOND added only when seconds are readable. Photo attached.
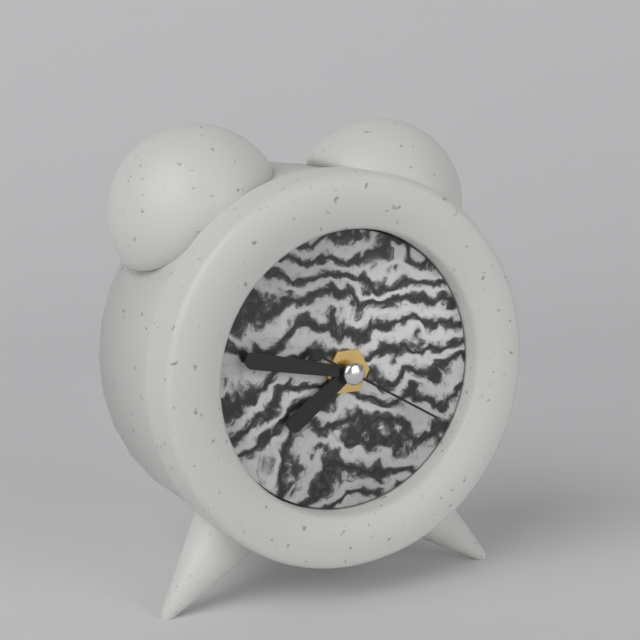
h=7 m=47 s=20
